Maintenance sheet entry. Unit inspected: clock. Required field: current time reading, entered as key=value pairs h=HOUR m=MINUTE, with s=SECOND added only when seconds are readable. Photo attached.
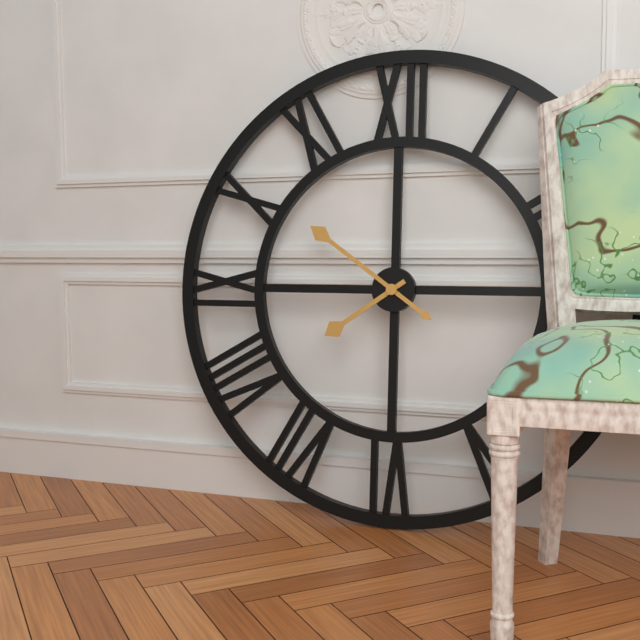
h=7 m=51
